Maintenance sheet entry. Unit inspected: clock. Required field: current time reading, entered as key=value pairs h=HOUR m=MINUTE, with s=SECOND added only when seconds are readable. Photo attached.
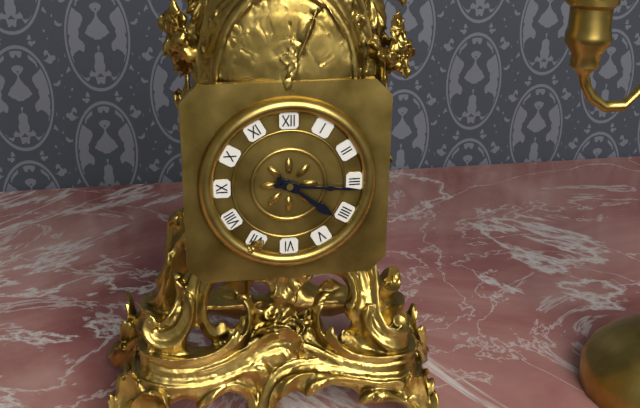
h=4 m=16
